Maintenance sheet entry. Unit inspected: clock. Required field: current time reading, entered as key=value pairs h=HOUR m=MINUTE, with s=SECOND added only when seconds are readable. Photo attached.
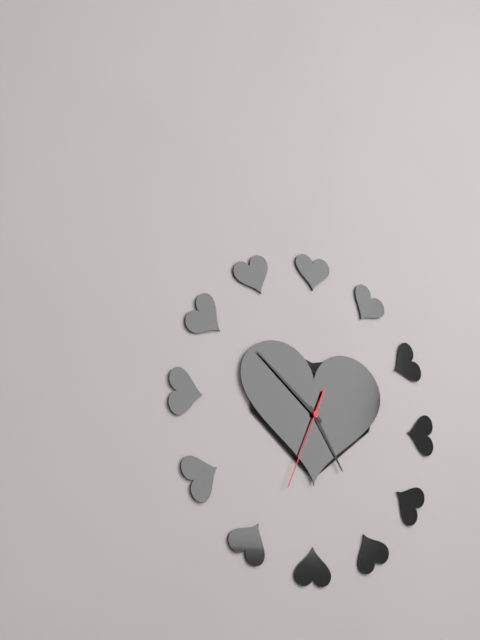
h=4 m=51 s=34
